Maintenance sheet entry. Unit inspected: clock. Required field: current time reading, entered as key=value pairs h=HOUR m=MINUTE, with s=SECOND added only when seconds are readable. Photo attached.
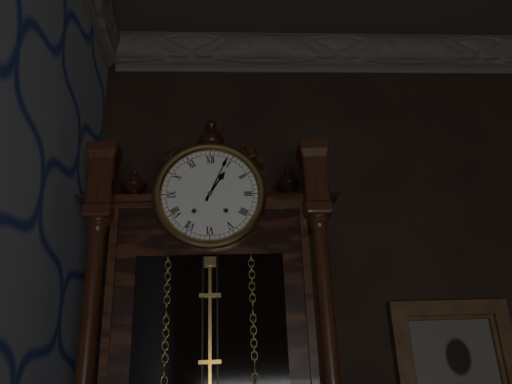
h=1 m=4
